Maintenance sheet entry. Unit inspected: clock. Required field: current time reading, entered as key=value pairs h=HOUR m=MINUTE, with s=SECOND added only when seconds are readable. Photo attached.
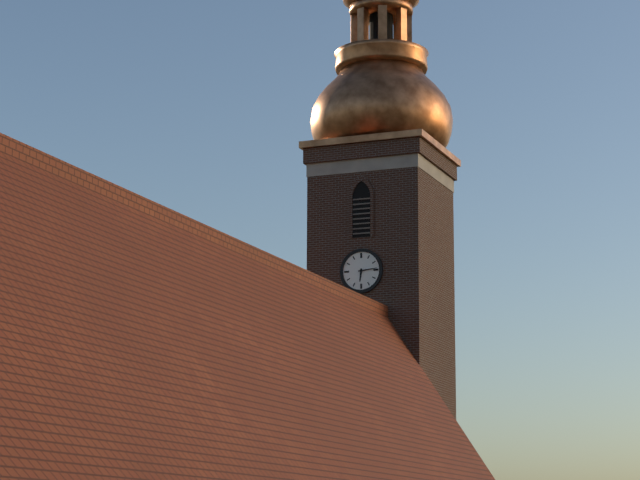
h=6 m=14
